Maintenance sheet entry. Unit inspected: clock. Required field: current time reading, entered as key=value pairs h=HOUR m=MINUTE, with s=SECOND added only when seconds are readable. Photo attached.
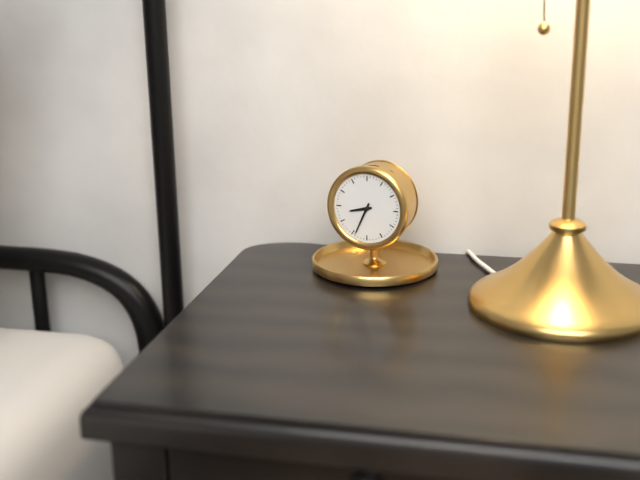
h=8 m=34
